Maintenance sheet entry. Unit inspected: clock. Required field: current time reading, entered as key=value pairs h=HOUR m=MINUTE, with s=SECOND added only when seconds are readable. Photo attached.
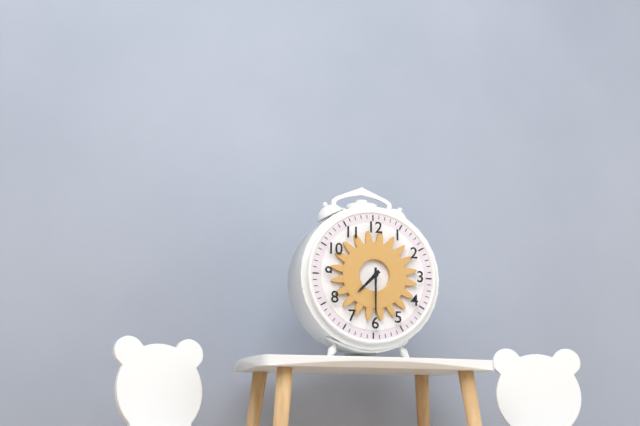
h=7 m=30
